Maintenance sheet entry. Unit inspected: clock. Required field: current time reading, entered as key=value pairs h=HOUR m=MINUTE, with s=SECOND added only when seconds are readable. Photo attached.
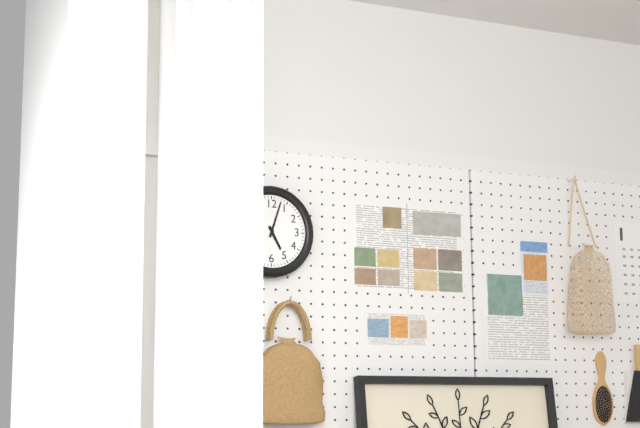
h=5 m=3
